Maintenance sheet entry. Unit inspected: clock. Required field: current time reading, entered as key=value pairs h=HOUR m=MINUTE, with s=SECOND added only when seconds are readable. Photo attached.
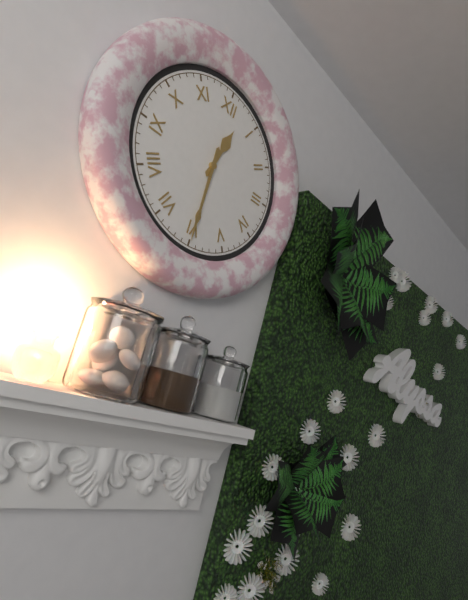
h=12 m=30
